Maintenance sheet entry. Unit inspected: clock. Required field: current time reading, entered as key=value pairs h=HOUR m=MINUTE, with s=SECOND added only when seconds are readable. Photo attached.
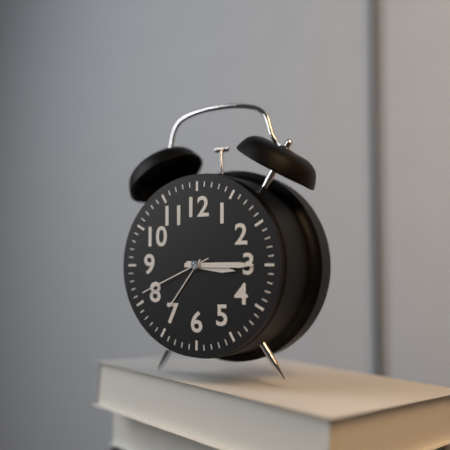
h=3 m=15 s=41
